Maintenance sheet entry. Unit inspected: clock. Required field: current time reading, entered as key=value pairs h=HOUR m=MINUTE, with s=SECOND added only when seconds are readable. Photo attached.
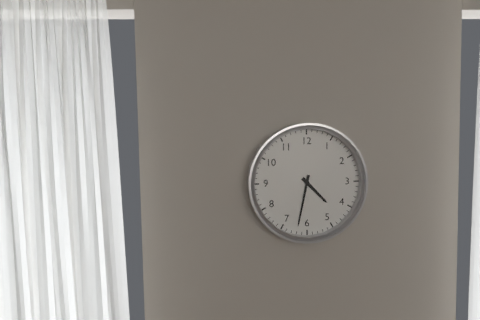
h=4 m=32
